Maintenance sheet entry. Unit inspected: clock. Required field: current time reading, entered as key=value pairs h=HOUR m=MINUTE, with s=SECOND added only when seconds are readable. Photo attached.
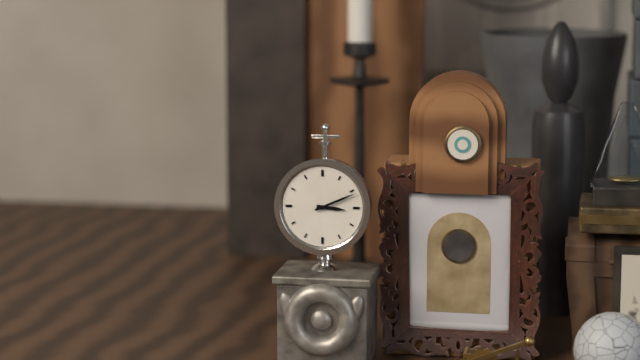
h=3 m=11
